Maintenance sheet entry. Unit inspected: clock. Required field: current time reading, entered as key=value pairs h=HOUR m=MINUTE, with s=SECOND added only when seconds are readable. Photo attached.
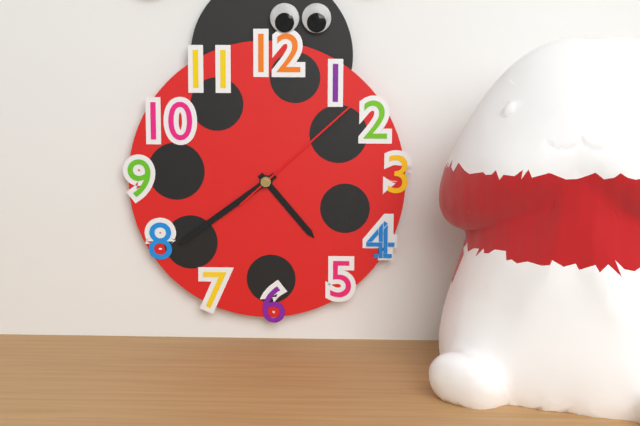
h=4 m=39 s=8
